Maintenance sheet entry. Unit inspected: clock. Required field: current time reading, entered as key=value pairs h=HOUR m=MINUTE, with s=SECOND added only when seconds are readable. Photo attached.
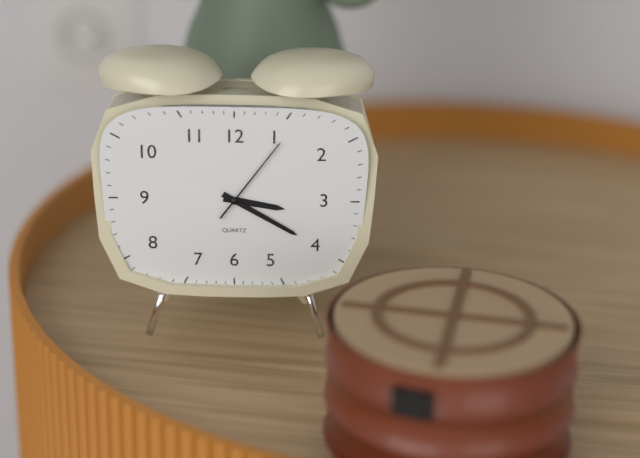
h=3 m=20 s=6
